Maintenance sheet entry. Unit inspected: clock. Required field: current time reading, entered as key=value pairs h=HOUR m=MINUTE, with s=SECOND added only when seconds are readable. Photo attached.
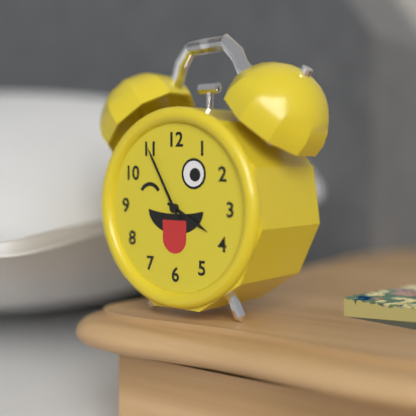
h=3 m=55
